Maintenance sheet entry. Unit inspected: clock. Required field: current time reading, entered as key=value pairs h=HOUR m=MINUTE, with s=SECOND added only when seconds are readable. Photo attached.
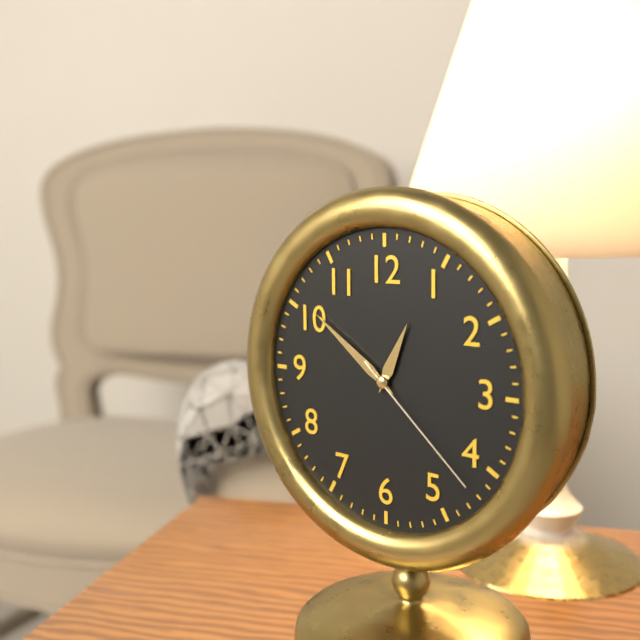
h=12 m=51 s=22
